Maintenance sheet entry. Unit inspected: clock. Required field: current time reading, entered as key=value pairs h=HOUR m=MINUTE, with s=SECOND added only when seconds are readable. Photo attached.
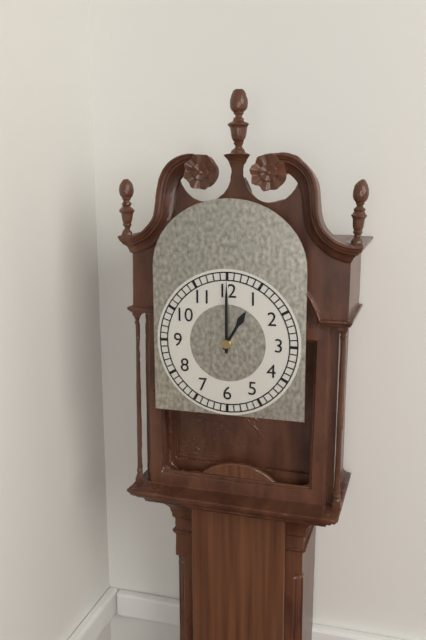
h=1 m=0
